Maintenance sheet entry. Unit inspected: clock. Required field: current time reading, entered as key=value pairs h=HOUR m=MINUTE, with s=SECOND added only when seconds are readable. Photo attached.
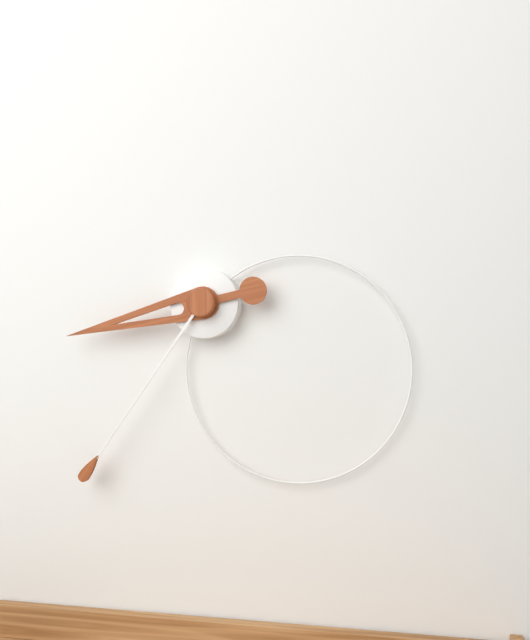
h=8 m=36
